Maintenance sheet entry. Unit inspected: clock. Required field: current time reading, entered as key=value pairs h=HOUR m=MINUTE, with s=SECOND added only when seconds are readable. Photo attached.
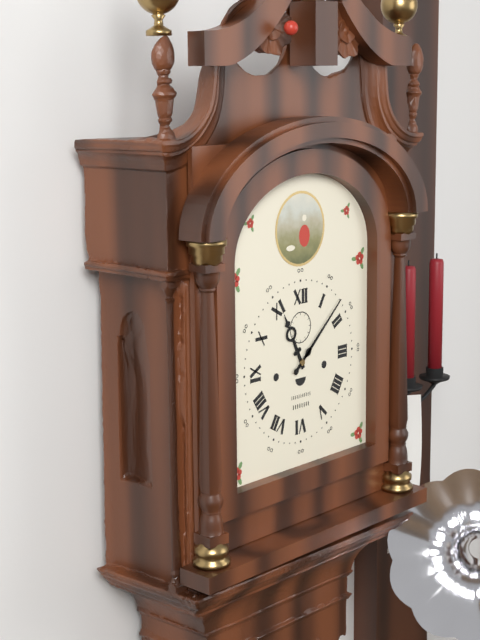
h=11 m=8
